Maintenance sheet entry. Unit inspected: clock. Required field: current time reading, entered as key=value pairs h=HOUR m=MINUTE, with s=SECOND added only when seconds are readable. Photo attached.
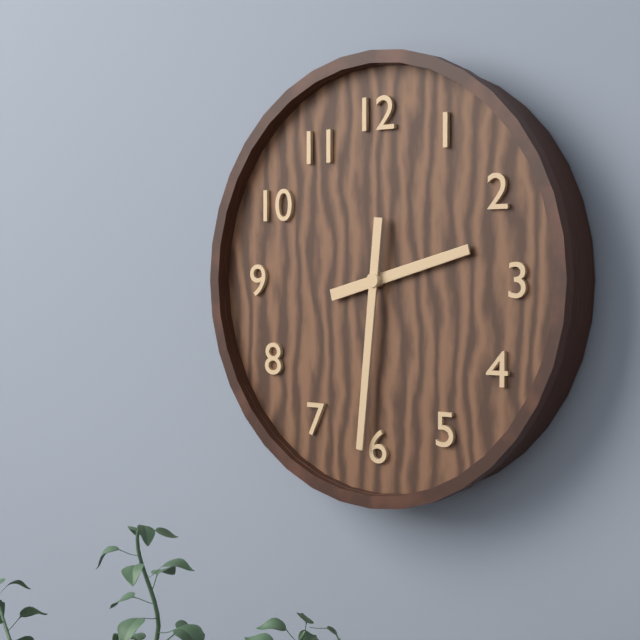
h=2 m=31
